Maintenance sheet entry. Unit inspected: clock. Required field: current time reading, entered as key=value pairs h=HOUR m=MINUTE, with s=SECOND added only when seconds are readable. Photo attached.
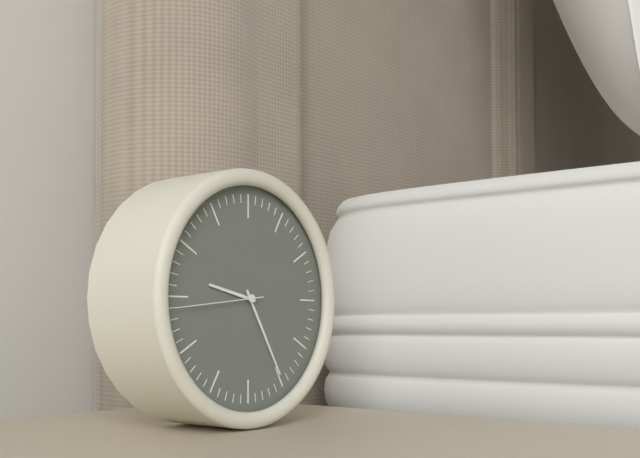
h=9 m=25 s=44
